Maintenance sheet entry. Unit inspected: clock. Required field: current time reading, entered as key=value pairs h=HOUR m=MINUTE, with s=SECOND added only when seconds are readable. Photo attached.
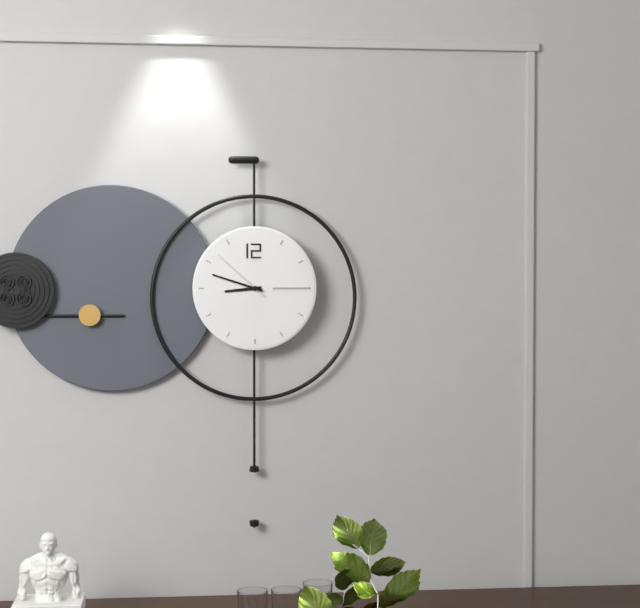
h=8 m=48 s=52
